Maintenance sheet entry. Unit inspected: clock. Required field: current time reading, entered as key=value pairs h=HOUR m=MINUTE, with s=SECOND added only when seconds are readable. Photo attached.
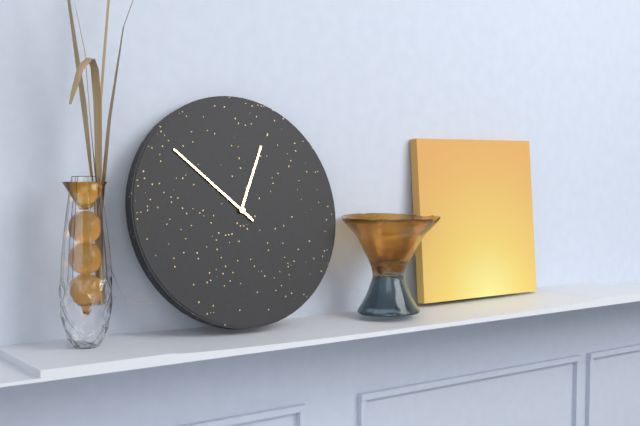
h=12 m=52
